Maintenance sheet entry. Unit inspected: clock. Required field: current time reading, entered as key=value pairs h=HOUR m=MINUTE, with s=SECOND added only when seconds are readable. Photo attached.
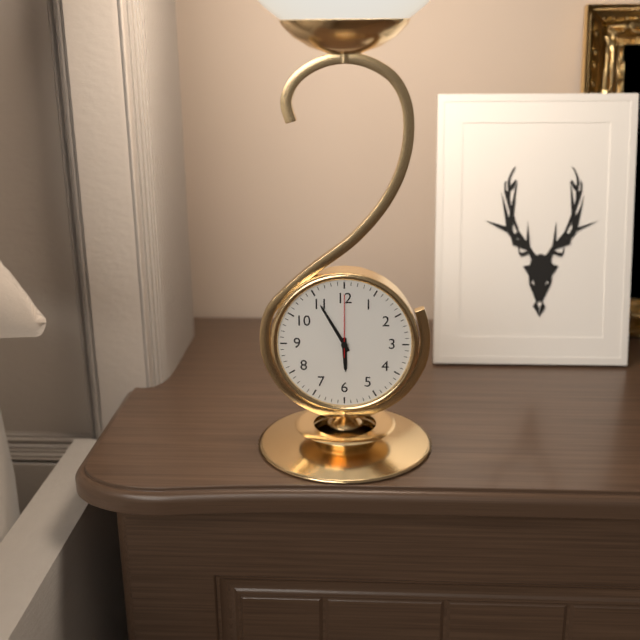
h=5 m=55 s=0
